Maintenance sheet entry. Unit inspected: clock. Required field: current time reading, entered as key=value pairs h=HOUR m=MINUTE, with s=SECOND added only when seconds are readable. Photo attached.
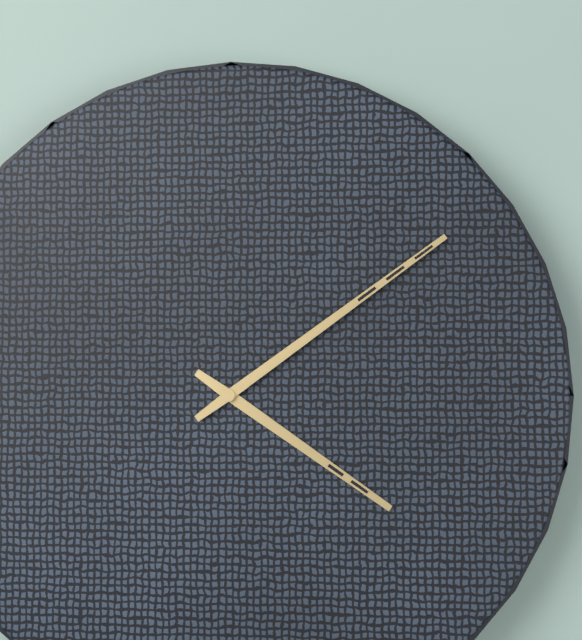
h=4 m=9
